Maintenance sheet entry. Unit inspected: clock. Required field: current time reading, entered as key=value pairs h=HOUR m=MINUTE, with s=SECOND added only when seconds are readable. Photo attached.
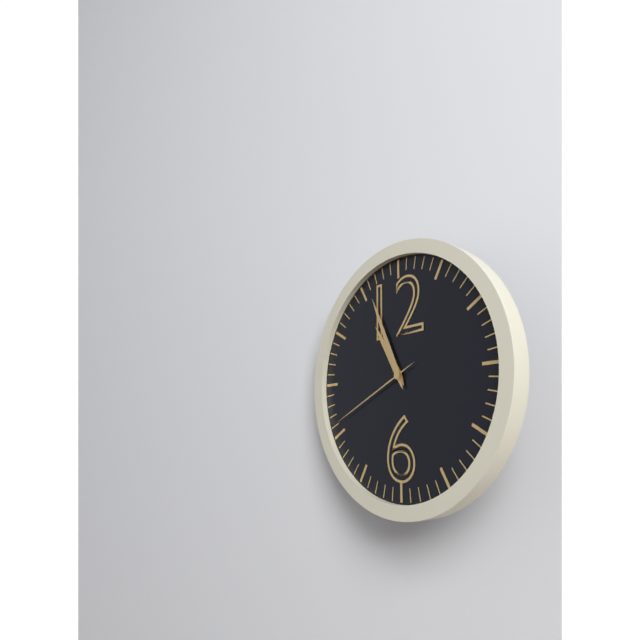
h=10 m=56 s=41
